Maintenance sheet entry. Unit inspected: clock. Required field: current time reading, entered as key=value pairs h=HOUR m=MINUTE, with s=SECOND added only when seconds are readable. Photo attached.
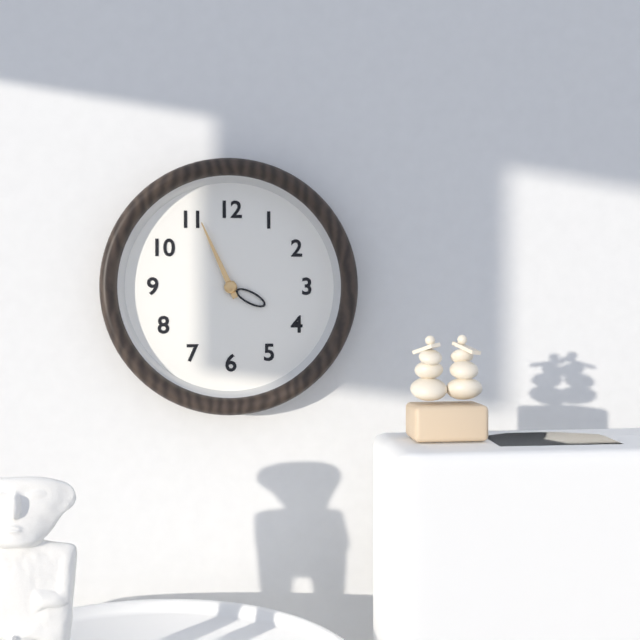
h=3 m=56
